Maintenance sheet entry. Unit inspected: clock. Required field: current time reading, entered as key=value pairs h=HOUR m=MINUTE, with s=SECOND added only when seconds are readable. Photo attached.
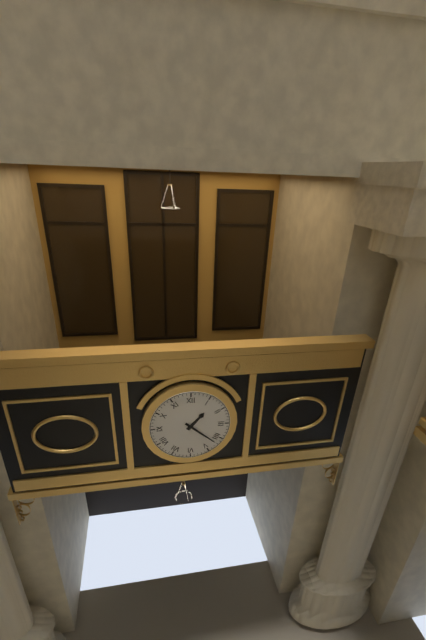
h=1 m=22
